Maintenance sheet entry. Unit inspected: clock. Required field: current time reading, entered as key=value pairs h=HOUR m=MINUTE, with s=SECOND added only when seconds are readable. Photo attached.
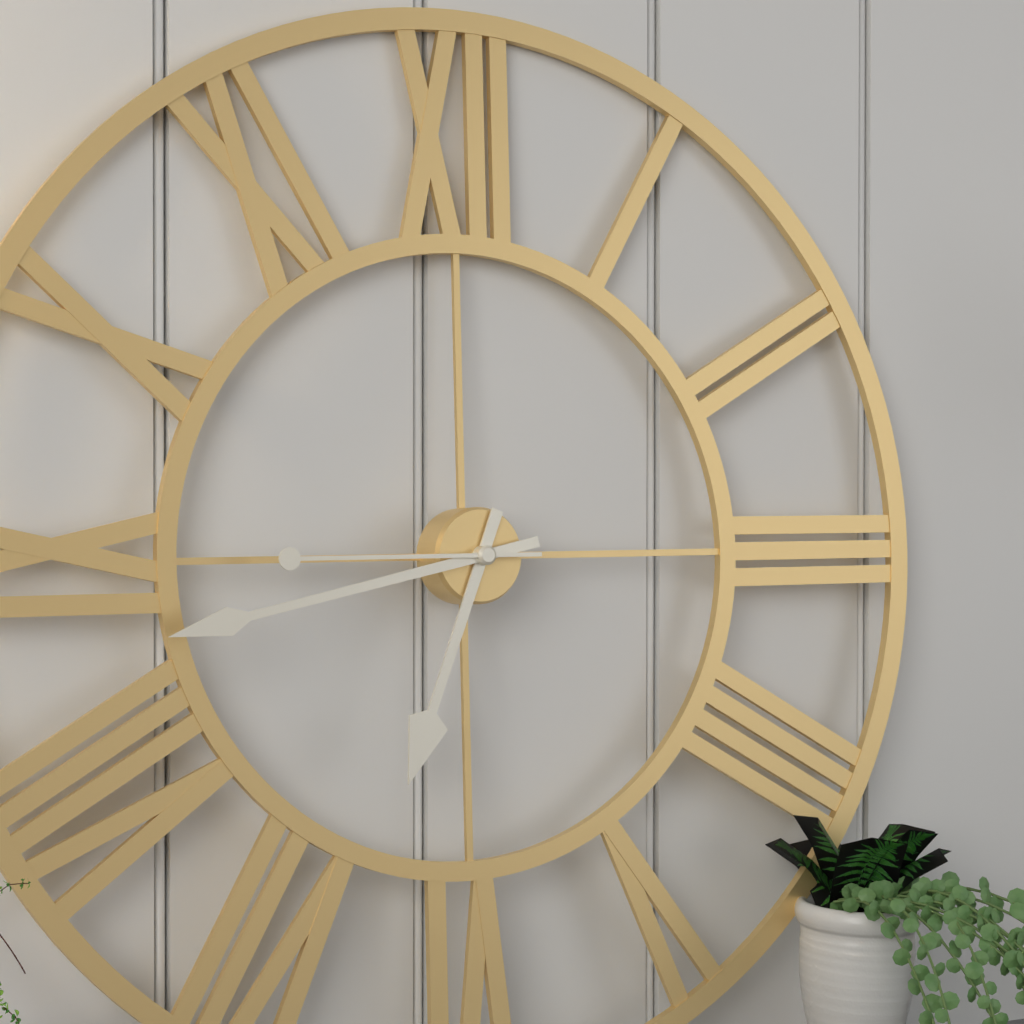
h=6 m=43 s=45
